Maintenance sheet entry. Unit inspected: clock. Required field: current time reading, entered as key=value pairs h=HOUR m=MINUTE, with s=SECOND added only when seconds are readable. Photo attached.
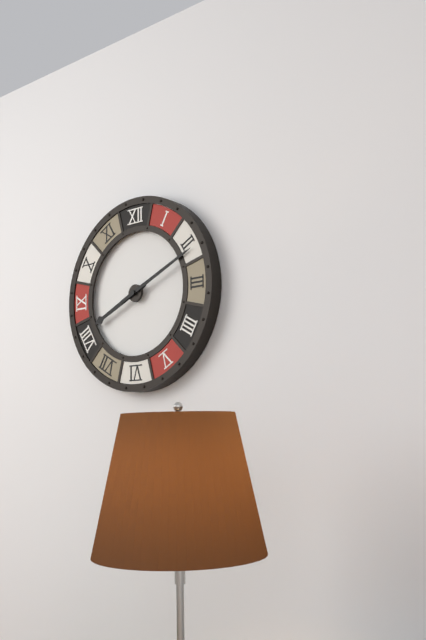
h=8 m=11
